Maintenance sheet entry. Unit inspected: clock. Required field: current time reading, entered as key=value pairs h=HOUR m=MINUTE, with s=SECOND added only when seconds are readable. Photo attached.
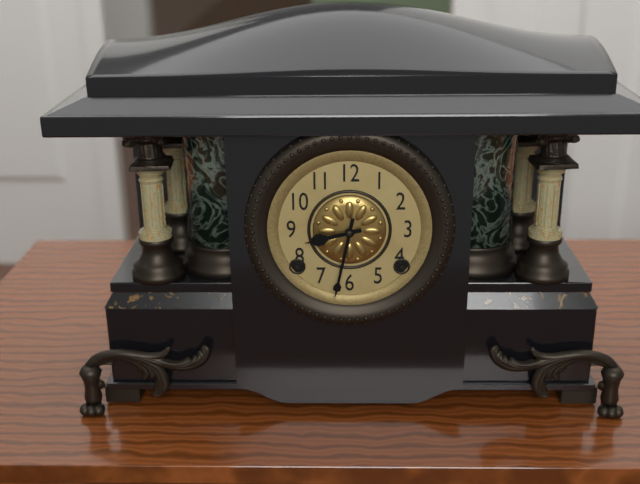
h=8 m=32
